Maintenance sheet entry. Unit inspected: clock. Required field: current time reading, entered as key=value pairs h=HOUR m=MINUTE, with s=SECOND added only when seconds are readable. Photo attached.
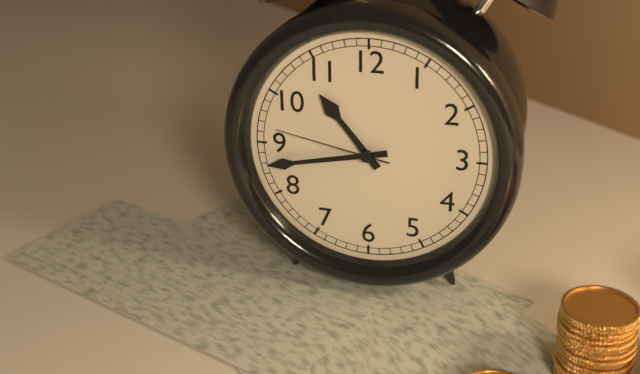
h=10 m=43 s=47
